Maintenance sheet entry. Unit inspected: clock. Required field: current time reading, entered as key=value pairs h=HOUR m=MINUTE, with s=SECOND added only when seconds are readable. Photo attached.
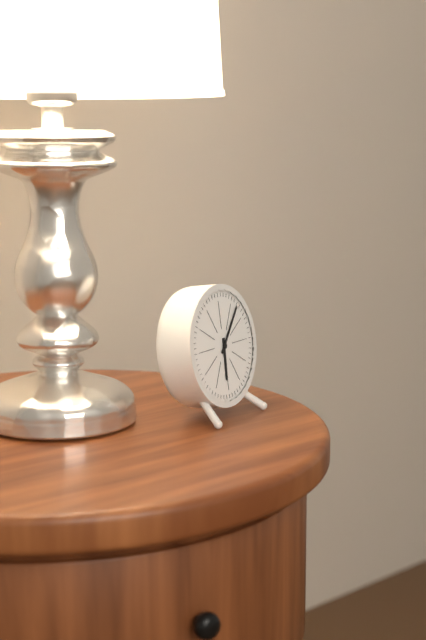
h=6 m=7
